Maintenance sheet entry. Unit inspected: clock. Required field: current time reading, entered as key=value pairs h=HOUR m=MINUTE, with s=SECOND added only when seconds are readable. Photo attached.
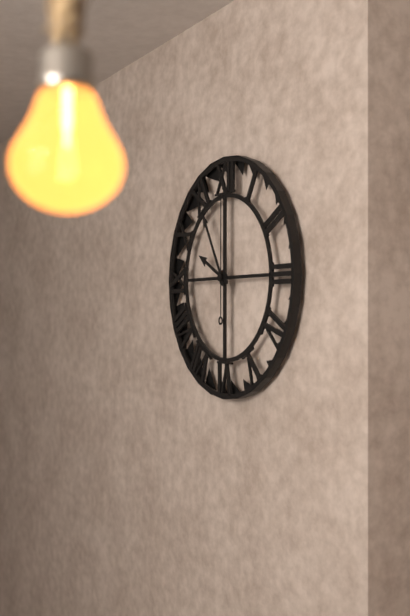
h=9 m=55 s=0
